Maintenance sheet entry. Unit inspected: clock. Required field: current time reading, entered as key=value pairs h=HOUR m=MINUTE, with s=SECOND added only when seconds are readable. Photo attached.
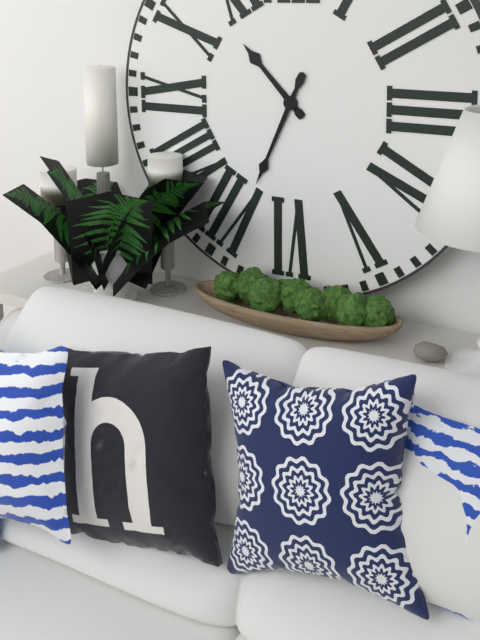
h=10 m=34
